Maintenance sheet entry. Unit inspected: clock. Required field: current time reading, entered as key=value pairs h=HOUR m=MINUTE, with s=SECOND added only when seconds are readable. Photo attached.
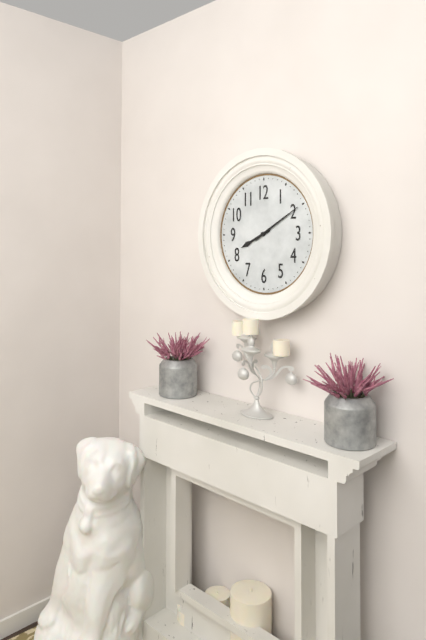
h=8 m=10
